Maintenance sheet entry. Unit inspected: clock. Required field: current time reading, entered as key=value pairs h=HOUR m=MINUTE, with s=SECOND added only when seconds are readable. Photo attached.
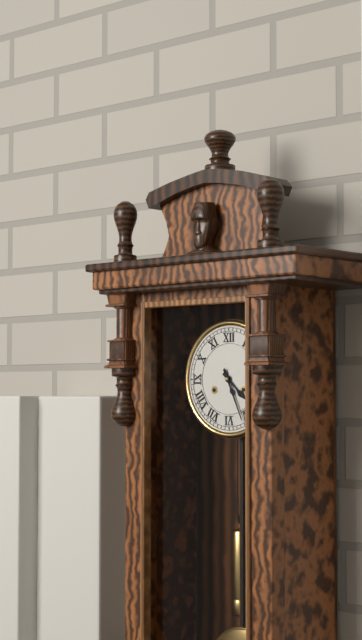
h=4 m=26
